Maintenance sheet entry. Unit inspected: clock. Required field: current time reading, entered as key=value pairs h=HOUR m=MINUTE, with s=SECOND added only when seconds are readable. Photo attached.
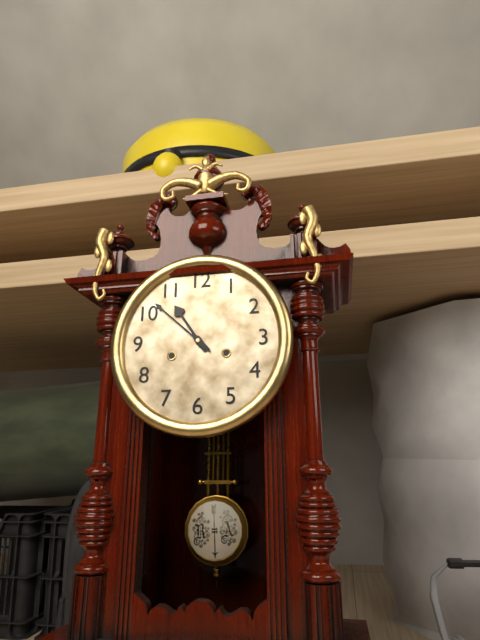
h=10 m=52
